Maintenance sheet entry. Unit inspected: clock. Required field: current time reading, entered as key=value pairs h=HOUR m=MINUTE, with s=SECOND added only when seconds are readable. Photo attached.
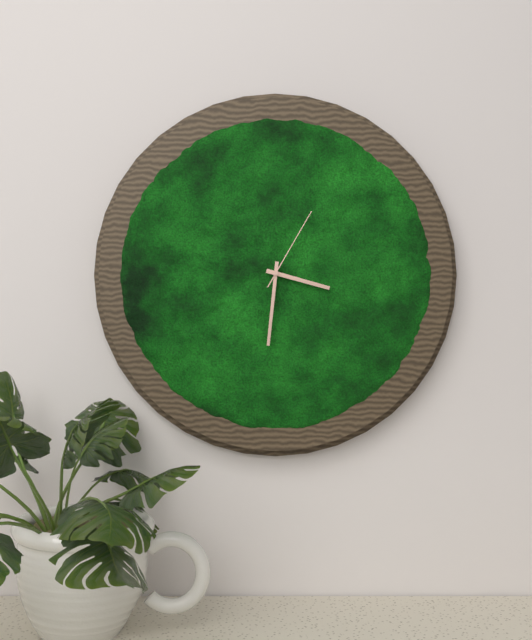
h=3 m=31 s=5
